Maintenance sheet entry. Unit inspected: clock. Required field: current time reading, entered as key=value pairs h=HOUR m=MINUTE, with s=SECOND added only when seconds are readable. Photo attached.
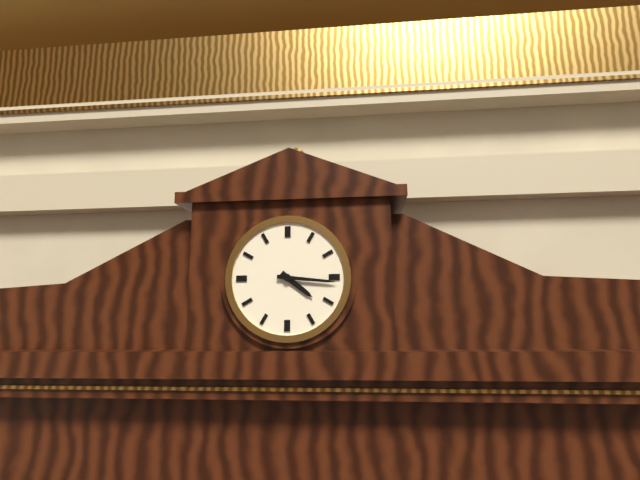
h=4 m=16
